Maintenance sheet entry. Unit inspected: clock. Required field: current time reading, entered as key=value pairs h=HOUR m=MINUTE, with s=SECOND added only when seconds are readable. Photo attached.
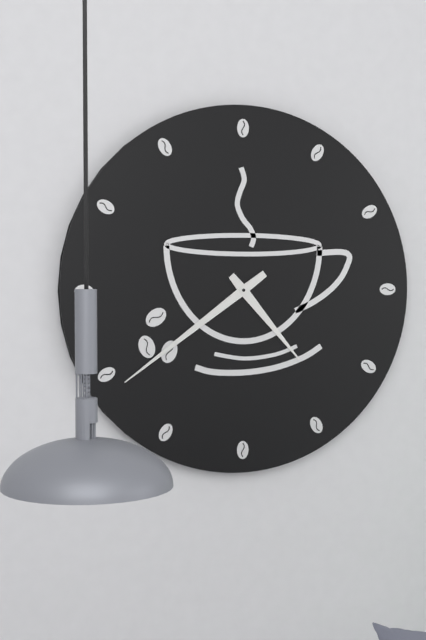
h=4 m=39
